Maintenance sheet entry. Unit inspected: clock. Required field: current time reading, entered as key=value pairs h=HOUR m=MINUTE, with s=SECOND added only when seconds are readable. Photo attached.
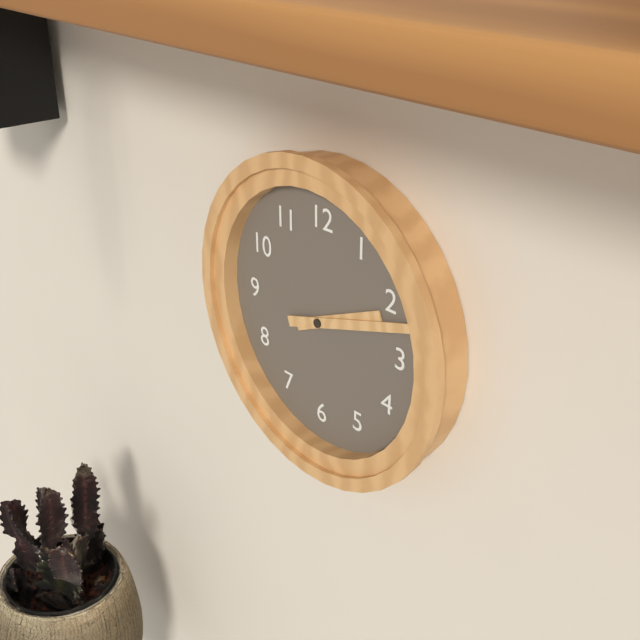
h=2 m=12
